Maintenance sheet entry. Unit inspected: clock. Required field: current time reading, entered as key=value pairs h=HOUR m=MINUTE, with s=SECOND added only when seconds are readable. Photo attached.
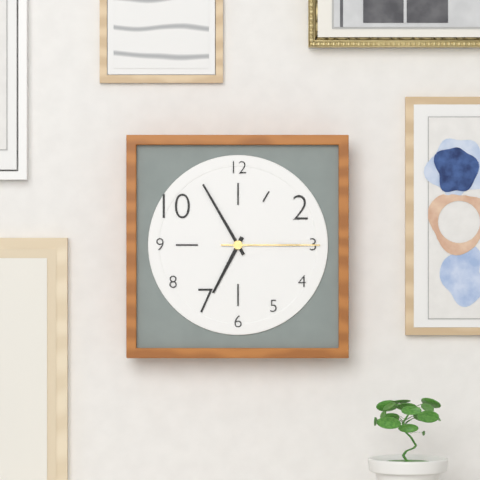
h=6 m=55 s=15
